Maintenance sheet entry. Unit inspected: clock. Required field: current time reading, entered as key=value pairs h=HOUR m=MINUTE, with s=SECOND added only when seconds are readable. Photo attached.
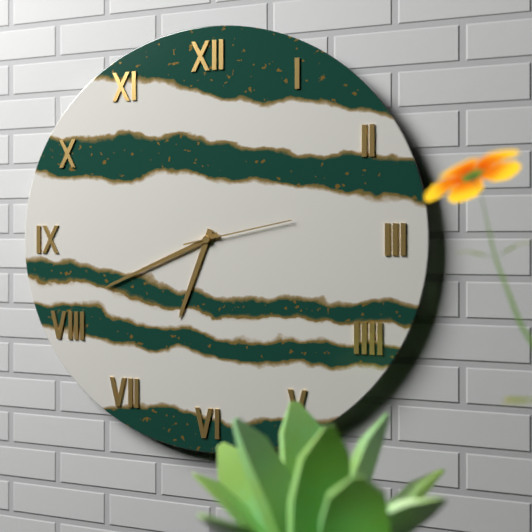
h=6 m=41 s=13
